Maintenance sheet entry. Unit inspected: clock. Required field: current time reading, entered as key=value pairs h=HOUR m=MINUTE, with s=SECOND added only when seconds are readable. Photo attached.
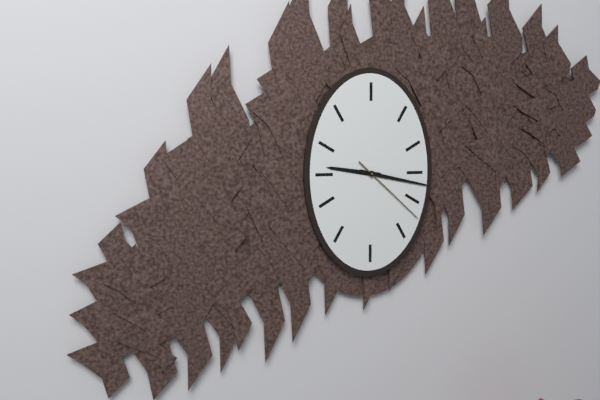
h=9 m=17 s=22
